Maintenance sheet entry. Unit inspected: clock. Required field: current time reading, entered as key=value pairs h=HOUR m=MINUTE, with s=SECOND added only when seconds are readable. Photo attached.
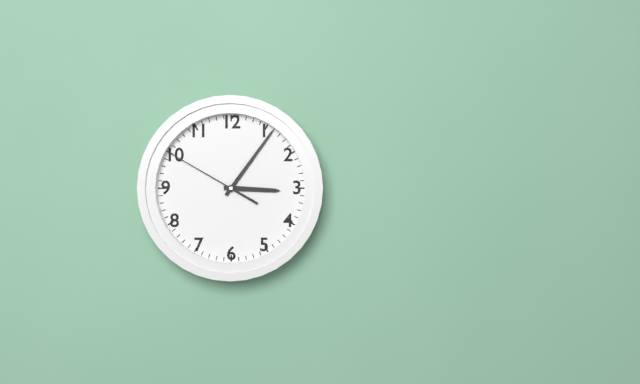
h=3 m=6 s=50
